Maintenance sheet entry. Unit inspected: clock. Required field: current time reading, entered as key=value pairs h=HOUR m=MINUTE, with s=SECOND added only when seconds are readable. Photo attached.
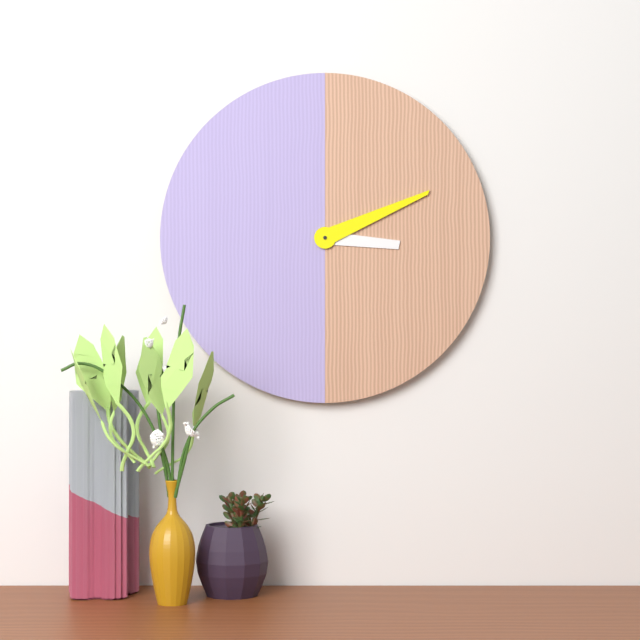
h=3 m=11
